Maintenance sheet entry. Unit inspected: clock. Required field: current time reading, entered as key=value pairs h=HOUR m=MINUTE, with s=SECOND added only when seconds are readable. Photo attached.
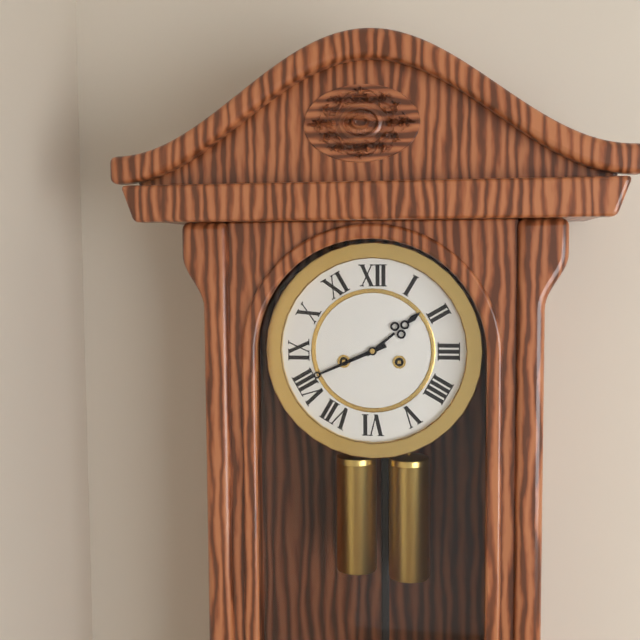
h=1 m=41
